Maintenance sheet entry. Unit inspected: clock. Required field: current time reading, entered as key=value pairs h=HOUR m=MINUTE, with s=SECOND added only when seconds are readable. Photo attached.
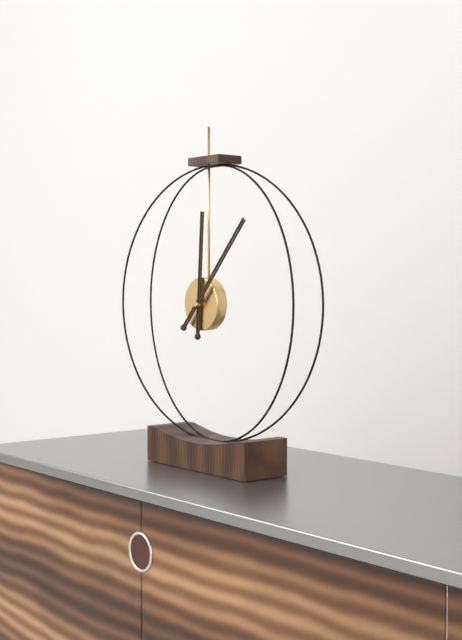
h=12 m=7
